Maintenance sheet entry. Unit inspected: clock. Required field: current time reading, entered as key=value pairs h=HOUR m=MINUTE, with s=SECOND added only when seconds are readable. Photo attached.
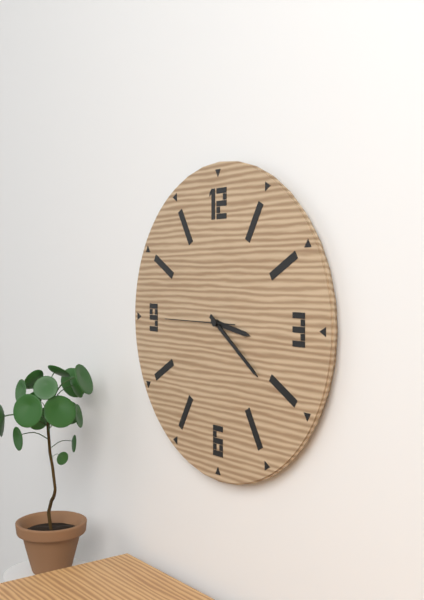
h=3 m=21 s=45
